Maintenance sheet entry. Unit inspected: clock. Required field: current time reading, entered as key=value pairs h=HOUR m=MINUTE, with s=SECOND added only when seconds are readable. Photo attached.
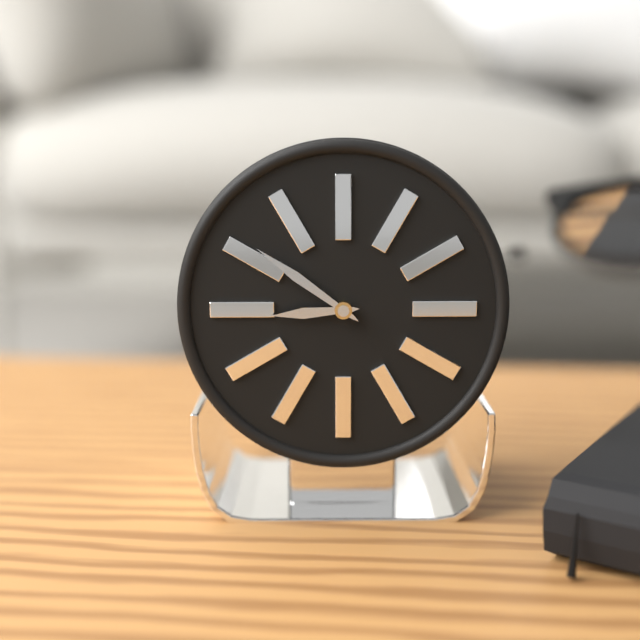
h=8 m=51
